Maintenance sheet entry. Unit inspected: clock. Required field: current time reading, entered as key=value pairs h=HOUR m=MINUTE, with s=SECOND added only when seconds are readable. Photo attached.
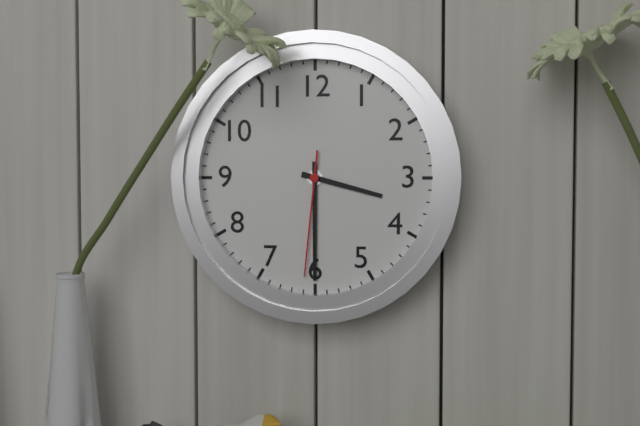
h=3 m=30 s=31
